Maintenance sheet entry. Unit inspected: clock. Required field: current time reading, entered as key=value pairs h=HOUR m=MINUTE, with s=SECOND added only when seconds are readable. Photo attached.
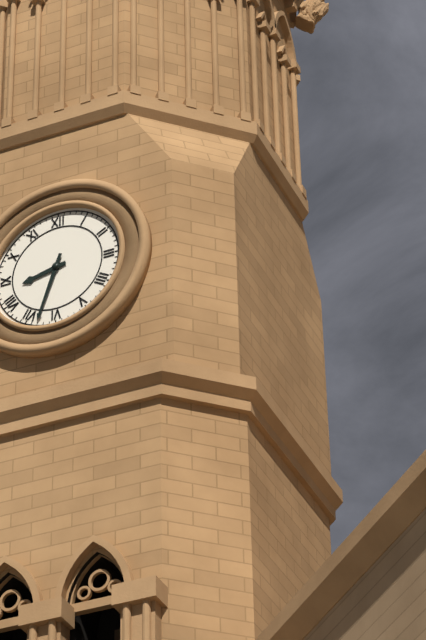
h=8 m=33
